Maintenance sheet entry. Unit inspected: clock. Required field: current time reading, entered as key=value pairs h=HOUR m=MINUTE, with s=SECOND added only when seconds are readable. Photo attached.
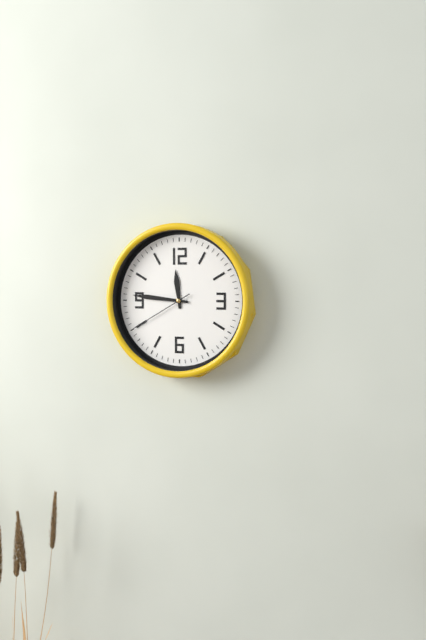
h=11 m=46 s=40
